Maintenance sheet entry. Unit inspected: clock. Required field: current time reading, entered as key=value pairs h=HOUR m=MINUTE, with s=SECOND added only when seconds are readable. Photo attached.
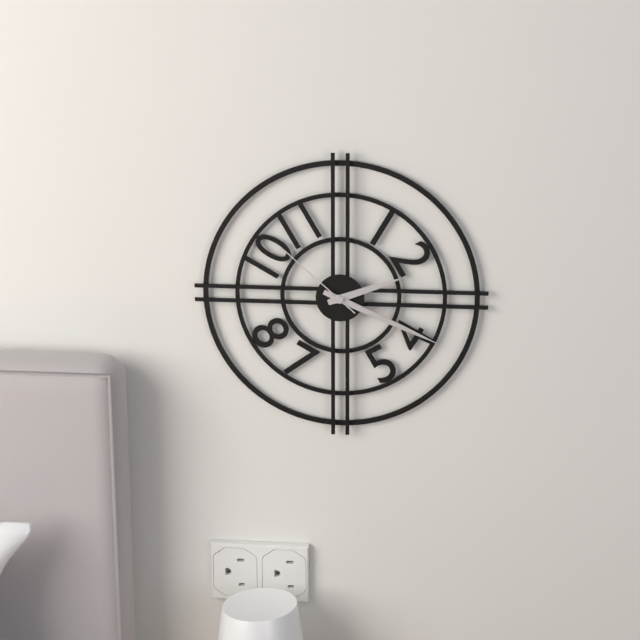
h=2 m=19 s=52
